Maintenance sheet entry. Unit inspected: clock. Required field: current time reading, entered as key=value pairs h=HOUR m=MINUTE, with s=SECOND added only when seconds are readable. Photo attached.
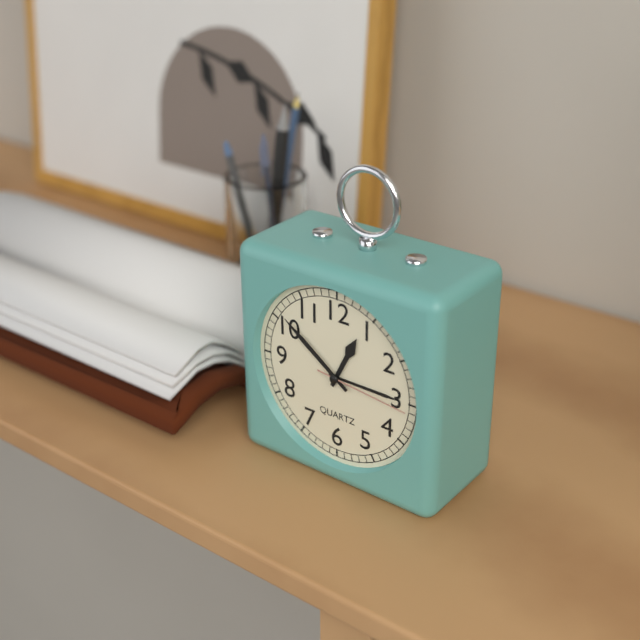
h=12 m=51 s=16
